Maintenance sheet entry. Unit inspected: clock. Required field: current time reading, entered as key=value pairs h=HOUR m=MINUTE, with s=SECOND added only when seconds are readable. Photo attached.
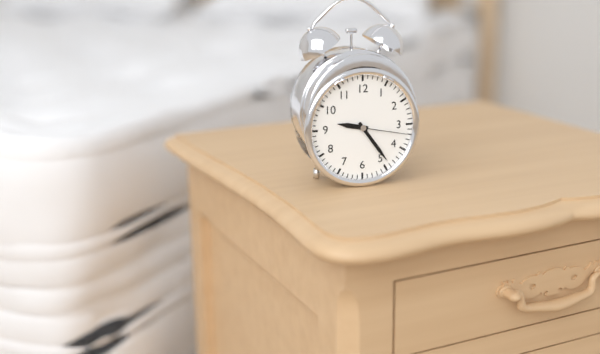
h=9 m=24 s=17
